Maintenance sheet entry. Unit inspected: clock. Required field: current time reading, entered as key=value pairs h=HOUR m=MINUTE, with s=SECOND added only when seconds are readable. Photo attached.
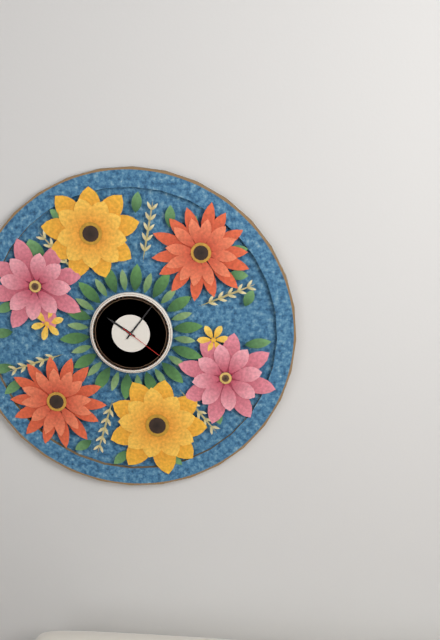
h=10 m=6
